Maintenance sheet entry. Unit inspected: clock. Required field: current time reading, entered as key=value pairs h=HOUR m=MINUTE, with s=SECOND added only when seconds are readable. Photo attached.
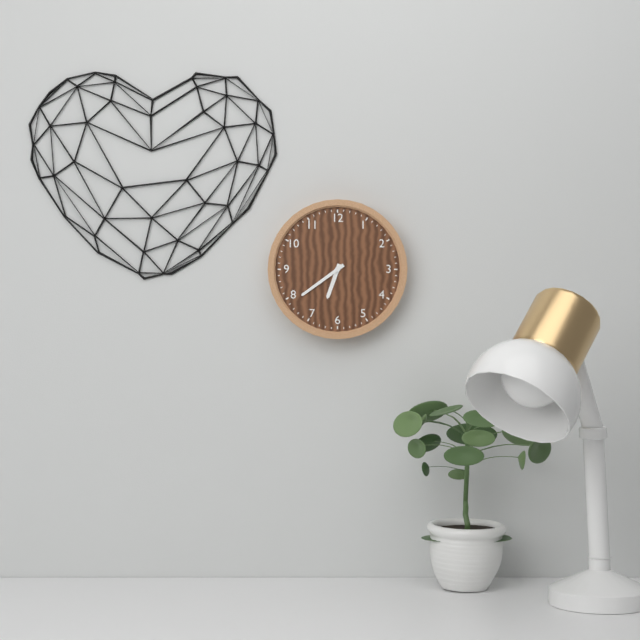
h=6 m=39
